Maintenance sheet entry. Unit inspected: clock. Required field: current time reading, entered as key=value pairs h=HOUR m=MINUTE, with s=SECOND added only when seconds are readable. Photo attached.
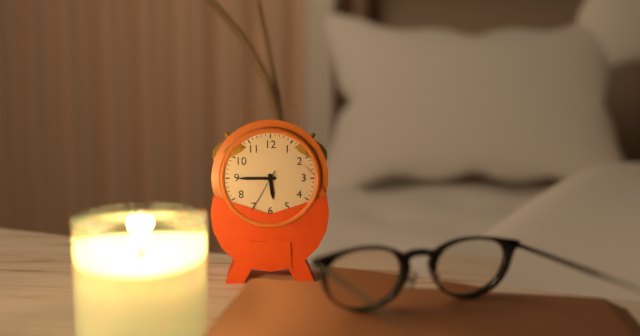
h=5 m=45
